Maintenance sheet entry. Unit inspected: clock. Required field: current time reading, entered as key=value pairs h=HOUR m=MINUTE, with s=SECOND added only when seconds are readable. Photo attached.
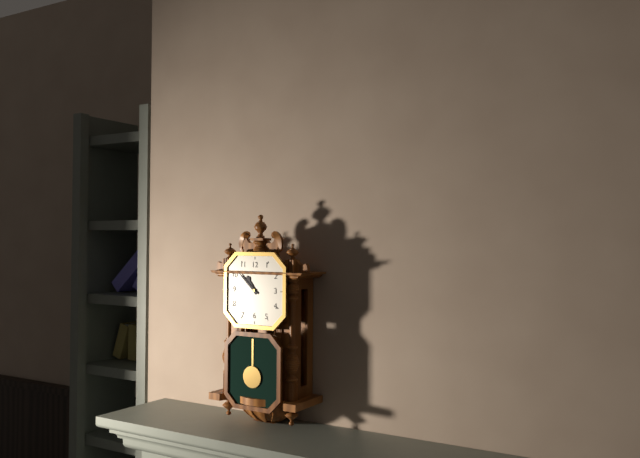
h=10 m=52
